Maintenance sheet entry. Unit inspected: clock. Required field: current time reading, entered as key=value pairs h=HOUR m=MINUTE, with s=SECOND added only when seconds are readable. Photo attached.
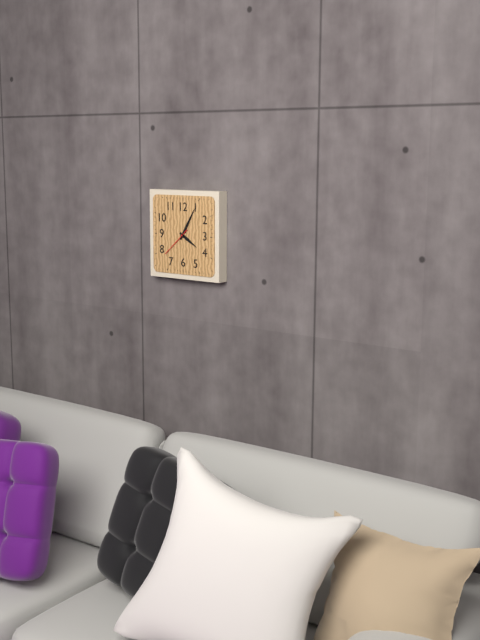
h=4 m=5
